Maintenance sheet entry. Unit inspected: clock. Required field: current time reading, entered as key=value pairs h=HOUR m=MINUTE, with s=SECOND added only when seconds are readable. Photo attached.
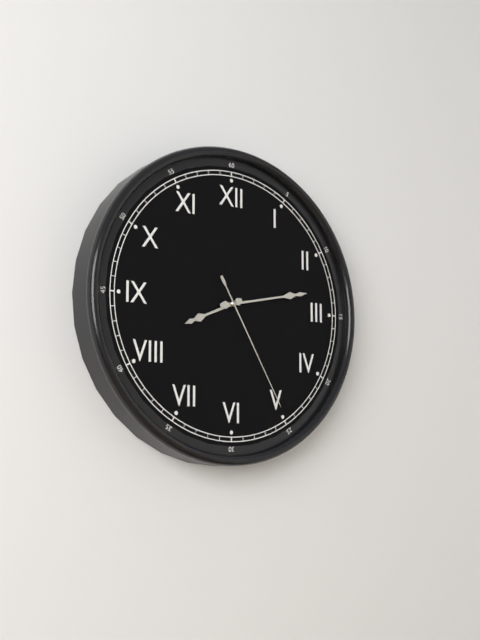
h=8 m=13 s=25
